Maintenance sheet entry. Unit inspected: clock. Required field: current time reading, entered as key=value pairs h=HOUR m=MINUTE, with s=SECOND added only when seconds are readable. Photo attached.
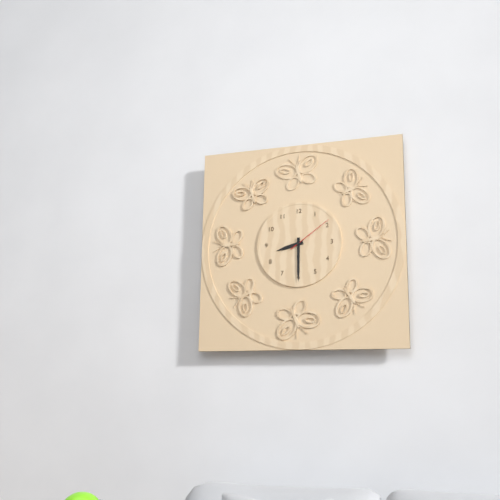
h=8 m=30
